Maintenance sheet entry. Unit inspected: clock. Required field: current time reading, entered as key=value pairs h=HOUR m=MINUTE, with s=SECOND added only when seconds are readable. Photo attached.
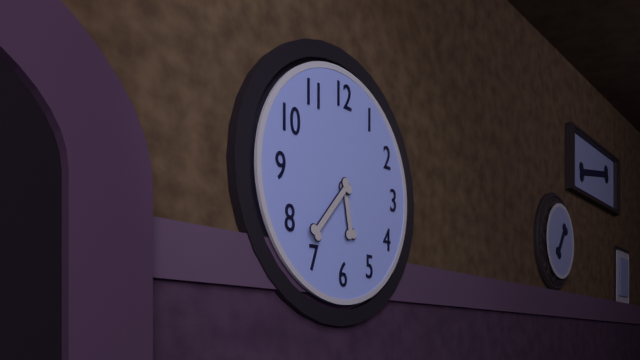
h=5 m=37
